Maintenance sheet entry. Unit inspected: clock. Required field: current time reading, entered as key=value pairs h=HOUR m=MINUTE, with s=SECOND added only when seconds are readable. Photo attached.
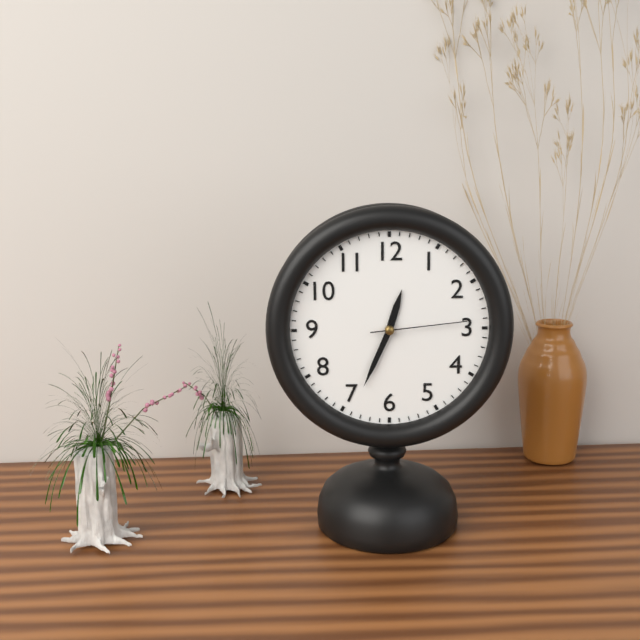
h=12 m=34 s=14
